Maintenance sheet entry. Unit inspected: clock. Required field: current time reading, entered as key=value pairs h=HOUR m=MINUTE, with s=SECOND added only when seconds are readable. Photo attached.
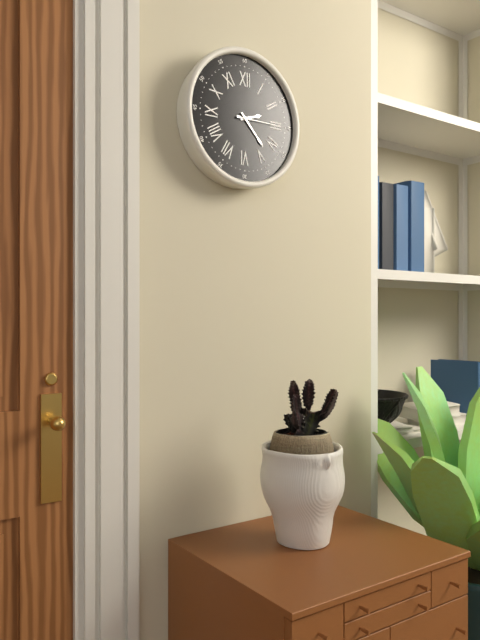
h=2 m=23
